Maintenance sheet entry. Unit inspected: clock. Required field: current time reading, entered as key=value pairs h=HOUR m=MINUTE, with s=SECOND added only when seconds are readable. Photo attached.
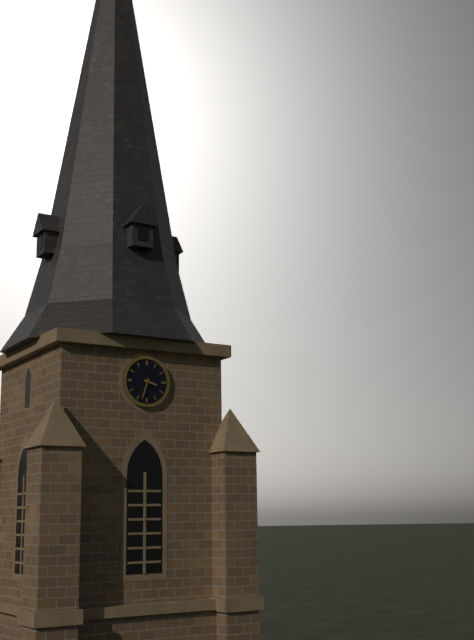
h=3 m=33
